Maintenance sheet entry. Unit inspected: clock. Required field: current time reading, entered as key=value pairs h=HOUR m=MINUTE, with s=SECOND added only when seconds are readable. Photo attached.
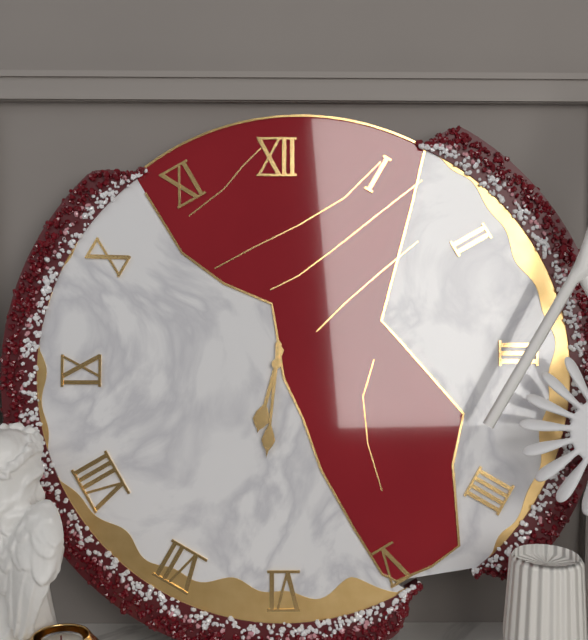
h=6 m=31
